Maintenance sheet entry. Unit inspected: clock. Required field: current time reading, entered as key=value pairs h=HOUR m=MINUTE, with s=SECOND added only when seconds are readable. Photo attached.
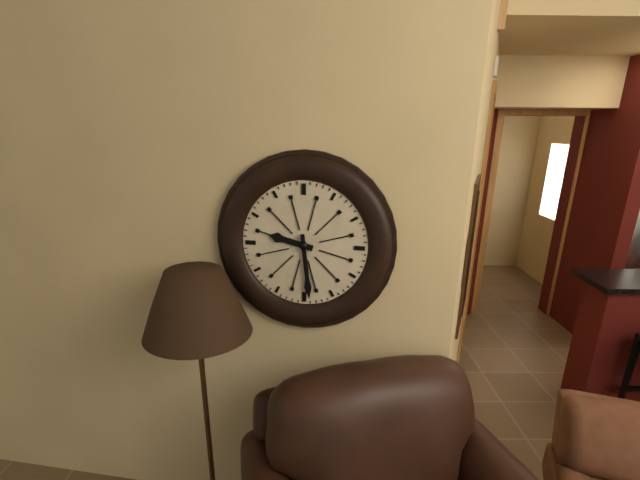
h=9 m=29
